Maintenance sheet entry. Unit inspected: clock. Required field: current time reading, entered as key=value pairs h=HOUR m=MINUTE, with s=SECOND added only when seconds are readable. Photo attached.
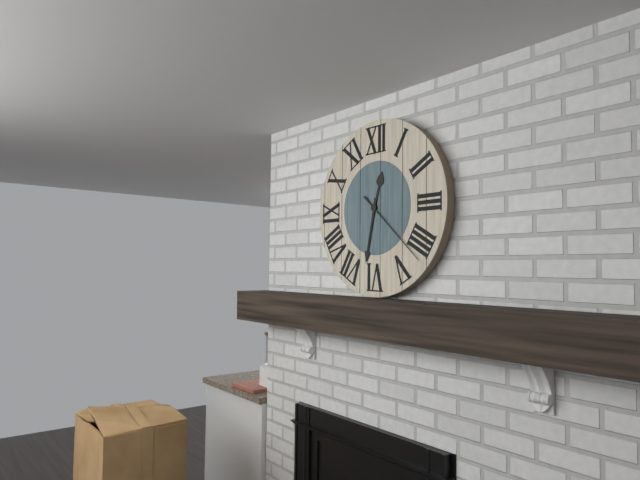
h=12 m=32 s=22
